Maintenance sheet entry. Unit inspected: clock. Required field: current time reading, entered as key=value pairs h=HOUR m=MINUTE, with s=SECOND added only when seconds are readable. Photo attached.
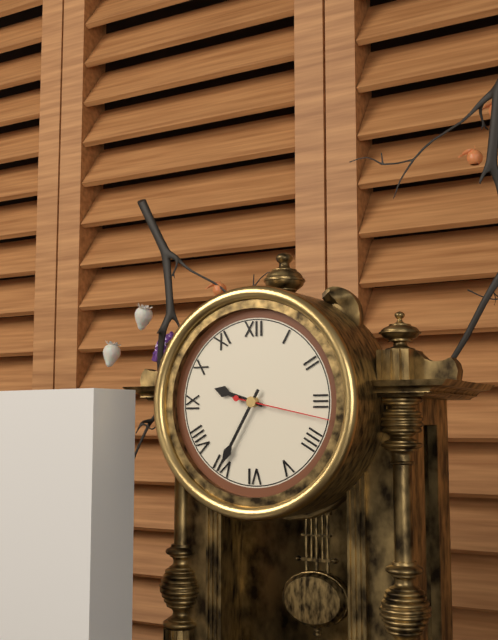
h=9 m=35 s=17
